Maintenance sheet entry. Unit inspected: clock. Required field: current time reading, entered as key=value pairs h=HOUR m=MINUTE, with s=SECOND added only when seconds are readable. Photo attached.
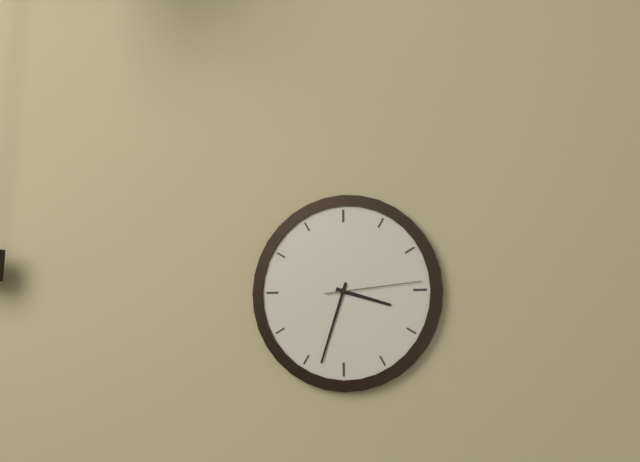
h=3 m=33 s=14
